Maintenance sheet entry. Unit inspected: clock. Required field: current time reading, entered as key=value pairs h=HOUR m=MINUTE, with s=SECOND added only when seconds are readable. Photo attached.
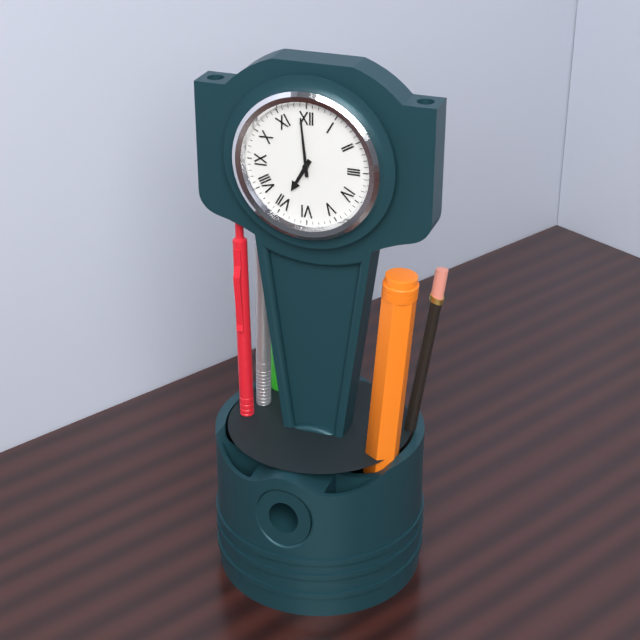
h=6 m=59
